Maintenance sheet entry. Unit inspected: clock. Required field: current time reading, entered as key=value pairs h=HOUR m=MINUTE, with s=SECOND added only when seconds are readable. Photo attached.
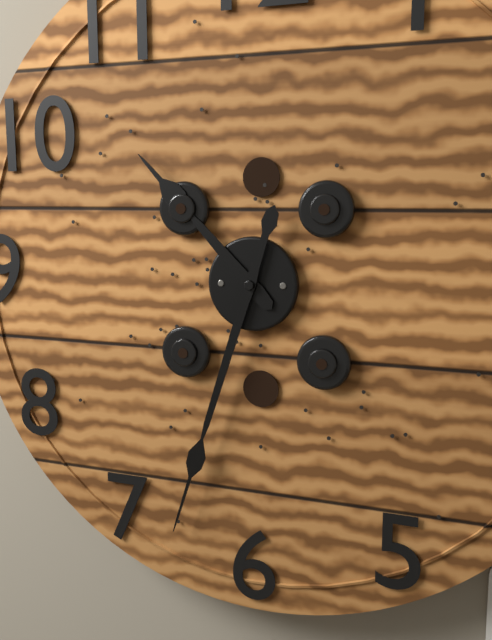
h=10 m=33
